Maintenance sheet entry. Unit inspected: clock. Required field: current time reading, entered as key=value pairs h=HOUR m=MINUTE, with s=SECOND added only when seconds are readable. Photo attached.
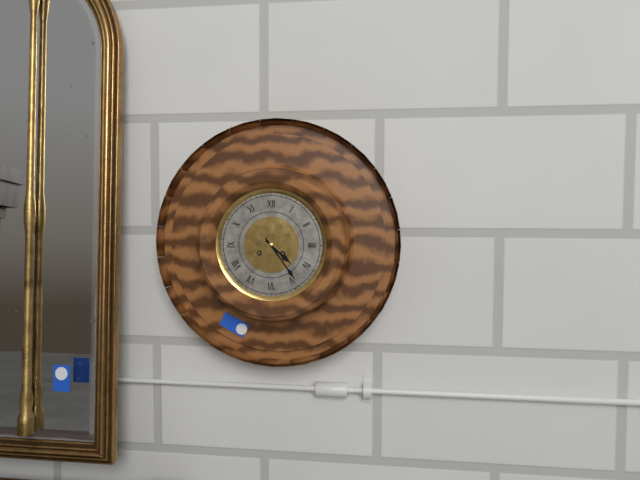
h=4 m=24
